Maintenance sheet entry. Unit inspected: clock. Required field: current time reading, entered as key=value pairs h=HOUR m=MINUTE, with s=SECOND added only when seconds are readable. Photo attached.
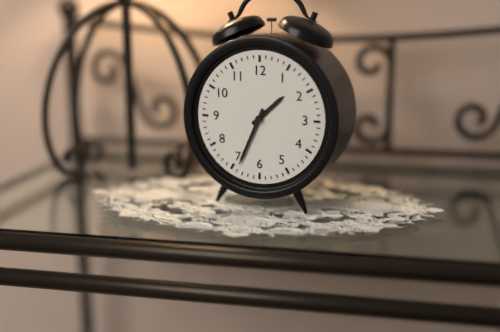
h=1 m=34
